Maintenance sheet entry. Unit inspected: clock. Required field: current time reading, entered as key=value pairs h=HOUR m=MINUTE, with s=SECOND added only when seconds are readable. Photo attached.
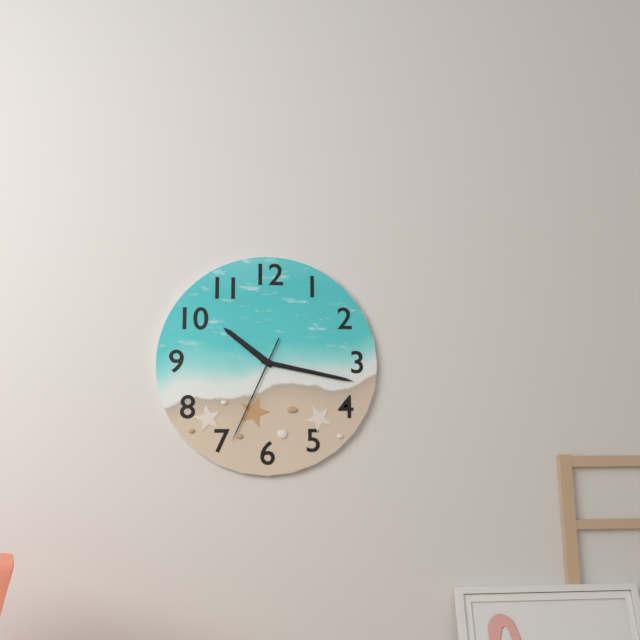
h=10 m=17 s=34
